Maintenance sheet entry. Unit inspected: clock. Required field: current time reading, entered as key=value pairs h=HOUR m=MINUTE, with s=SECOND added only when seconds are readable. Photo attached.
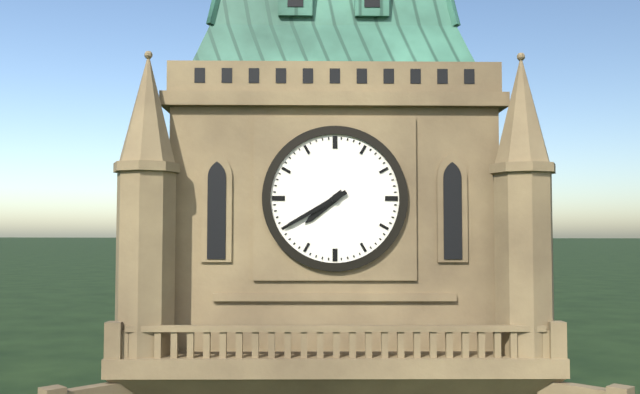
h=7 m=40
